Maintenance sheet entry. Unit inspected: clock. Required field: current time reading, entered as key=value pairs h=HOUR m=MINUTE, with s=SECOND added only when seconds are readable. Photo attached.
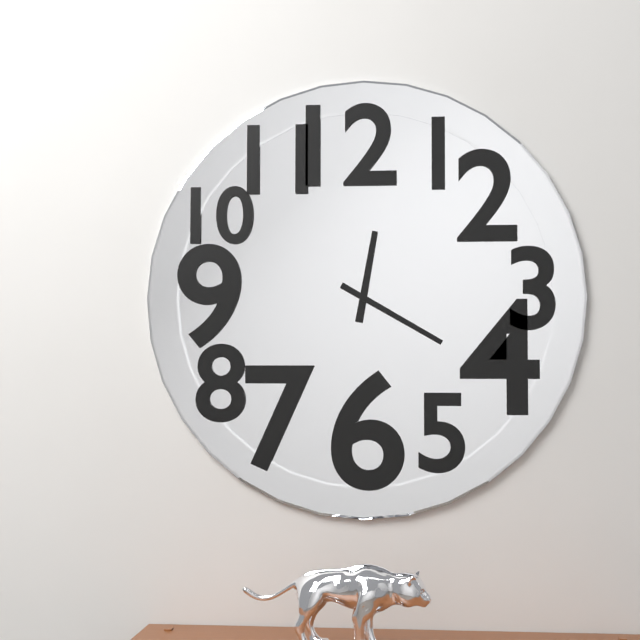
h=12 m=20
